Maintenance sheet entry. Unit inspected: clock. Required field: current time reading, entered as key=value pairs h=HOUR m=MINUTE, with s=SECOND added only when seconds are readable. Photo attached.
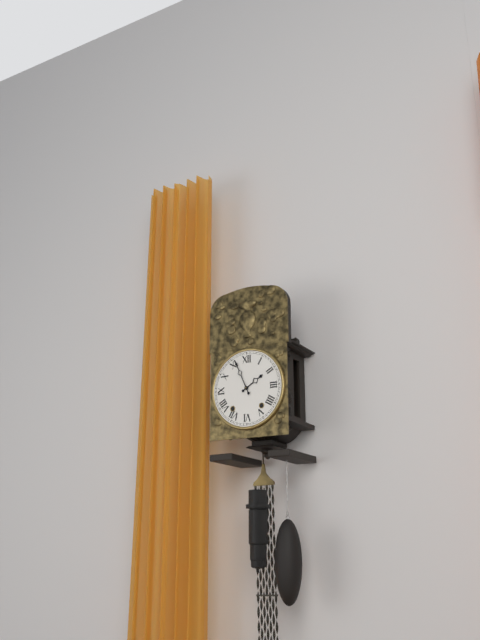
h=1 m=56
